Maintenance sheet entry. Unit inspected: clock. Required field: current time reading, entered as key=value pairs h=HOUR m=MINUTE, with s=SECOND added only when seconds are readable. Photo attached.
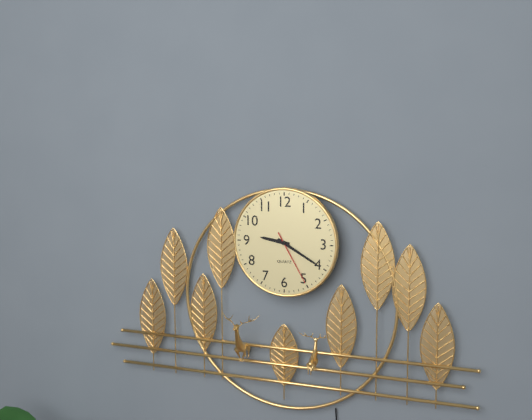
h=9 m=20 s=25
